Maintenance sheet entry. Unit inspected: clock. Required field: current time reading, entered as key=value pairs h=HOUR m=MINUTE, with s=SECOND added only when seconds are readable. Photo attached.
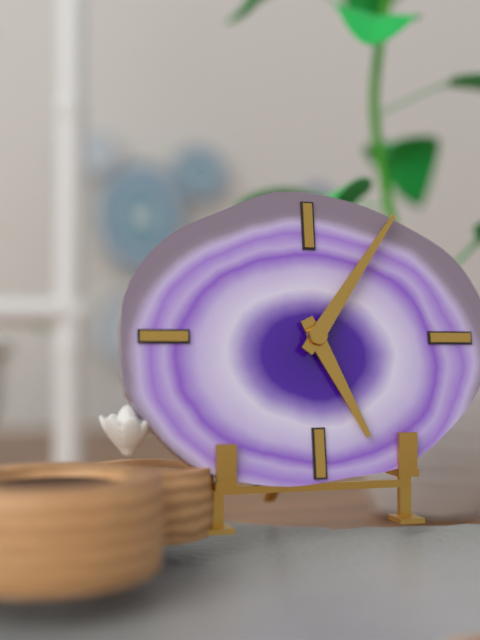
h=5 m=6
